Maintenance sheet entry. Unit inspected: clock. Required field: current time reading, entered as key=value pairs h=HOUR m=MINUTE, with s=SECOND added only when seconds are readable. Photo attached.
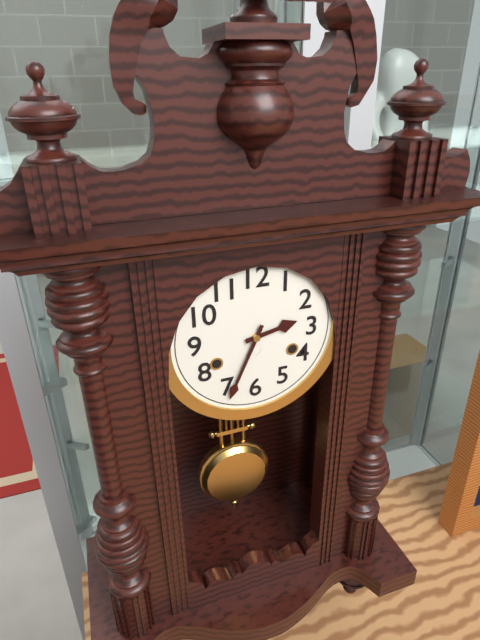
h=2 m=34
